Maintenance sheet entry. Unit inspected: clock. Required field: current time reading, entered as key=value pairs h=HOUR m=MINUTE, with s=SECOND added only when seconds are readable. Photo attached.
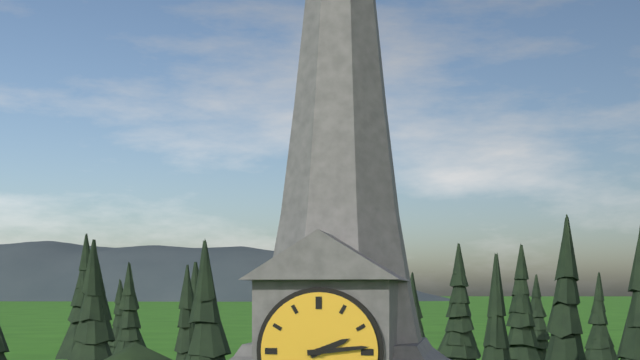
h=2 m=14
